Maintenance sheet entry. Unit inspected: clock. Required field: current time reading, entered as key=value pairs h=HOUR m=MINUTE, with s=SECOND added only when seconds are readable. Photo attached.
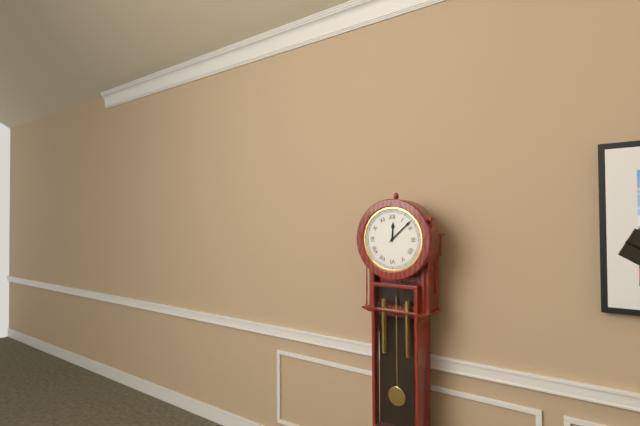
h=12 m=8
